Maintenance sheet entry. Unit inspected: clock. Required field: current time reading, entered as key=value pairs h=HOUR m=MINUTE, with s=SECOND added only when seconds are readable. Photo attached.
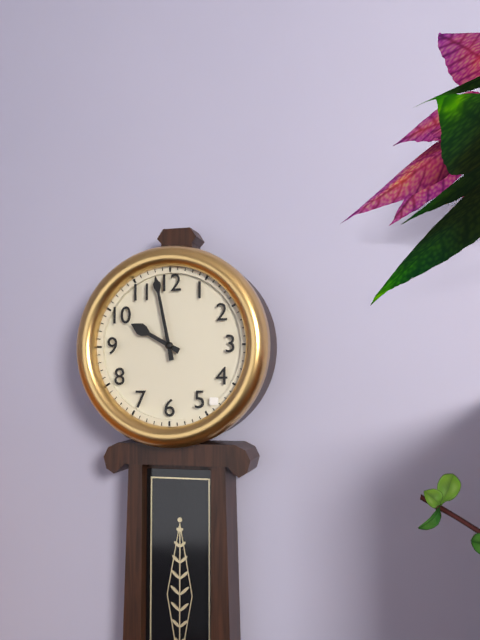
h=9 m=58
